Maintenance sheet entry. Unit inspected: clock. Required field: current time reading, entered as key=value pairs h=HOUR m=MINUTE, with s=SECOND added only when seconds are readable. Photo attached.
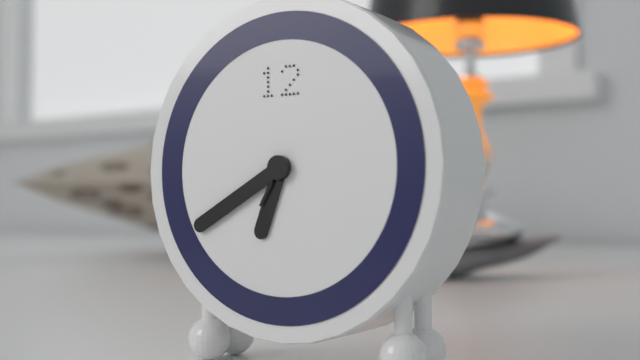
h=6 m=40 s=35
